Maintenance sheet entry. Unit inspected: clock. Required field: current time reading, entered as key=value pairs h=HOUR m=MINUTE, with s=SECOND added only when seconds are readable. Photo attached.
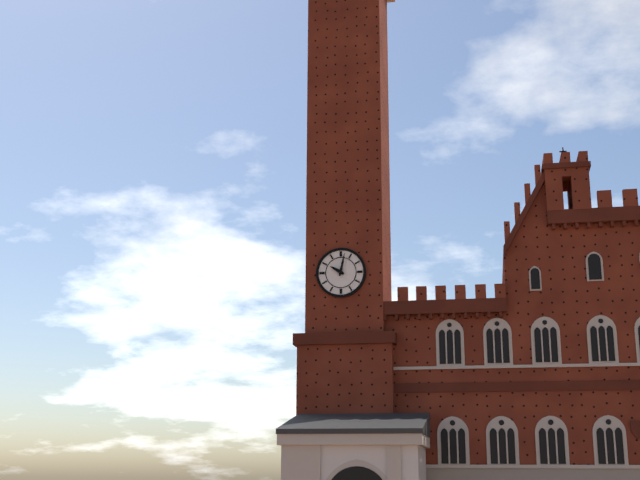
h=10 m=2
